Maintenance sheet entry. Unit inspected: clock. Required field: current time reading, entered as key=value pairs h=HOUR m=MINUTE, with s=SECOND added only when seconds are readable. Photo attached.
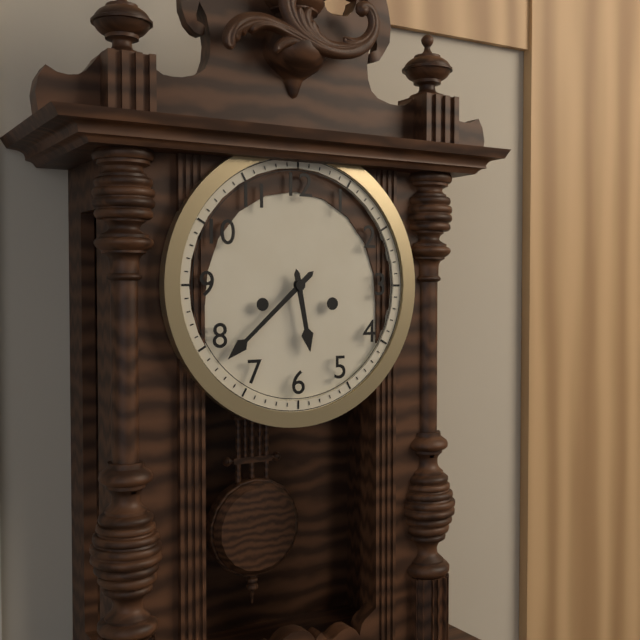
h=5 m=38
